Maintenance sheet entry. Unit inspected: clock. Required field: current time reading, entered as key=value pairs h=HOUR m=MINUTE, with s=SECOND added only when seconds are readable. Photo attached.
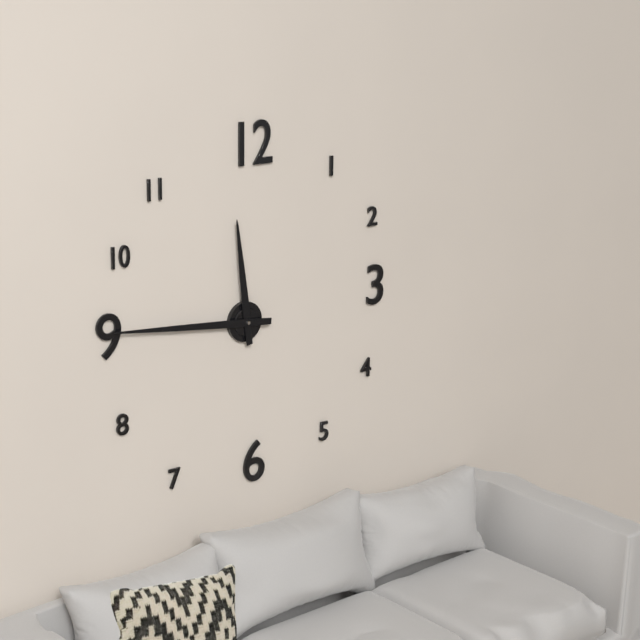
h=11 m=46
